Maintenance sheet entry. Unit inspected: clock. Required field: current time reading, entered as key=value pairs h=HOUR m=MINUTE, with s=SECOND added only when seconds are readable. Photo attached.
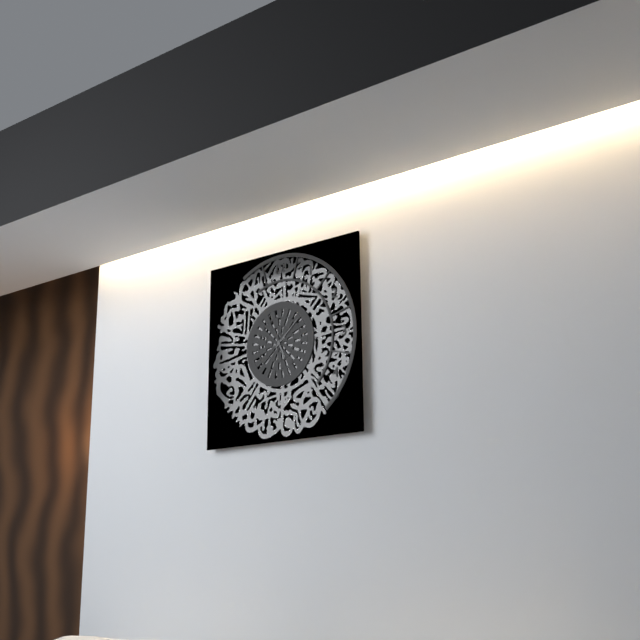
h=5 m=8
